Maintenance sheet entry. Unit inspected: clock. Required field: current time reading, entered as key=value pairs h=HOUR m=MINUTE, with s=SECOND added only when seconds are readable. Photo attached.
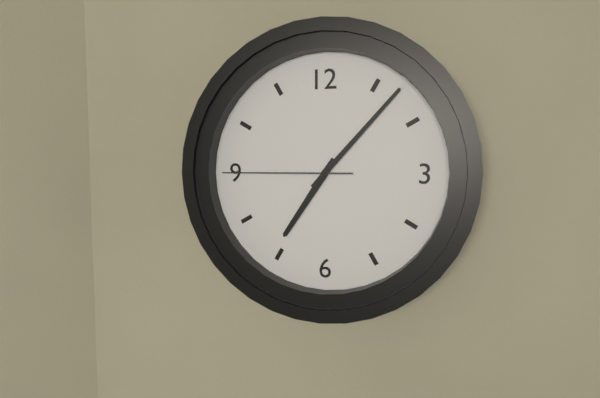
h=7 m=7 s=45
